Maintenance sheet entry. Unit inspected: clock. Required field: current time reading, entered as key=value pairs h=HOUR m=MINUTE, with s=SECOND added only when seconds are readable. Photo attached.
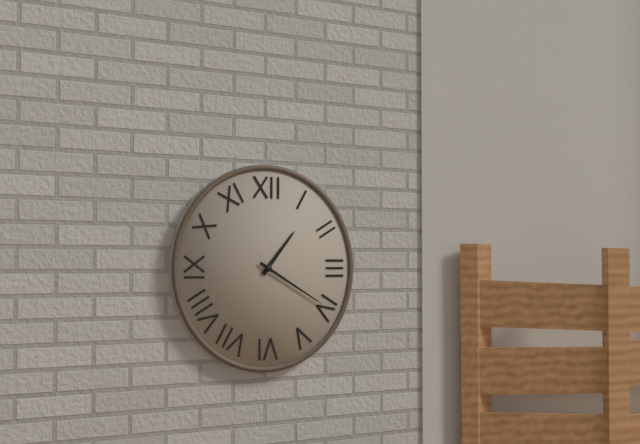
h=1 m=20
